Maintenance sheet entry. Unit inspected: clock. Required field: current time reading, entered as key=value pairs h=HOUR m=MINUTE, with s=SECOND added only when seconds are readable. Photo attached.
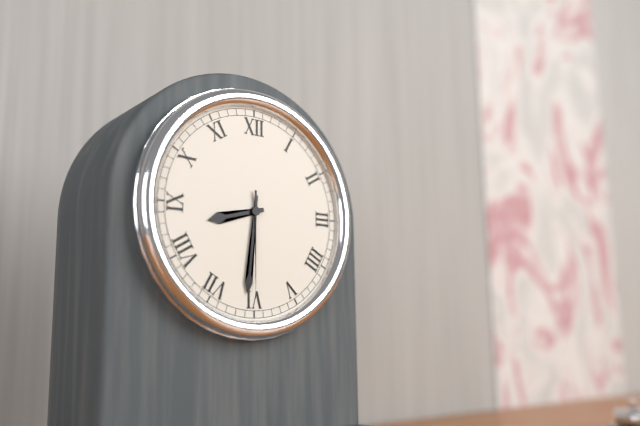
h=8 m=31 s=30
